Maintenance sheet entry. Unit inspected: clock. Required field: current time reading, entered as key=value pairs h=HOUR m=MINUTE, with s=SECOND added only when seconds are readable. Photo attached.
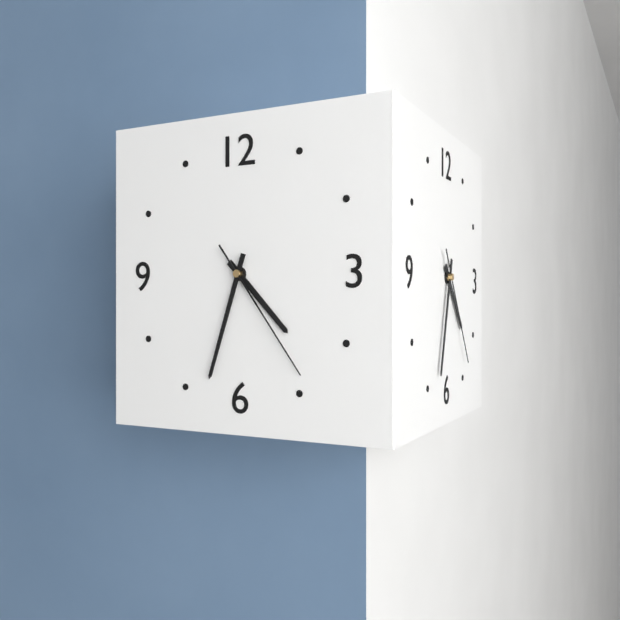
h=4 m=33 s=24
